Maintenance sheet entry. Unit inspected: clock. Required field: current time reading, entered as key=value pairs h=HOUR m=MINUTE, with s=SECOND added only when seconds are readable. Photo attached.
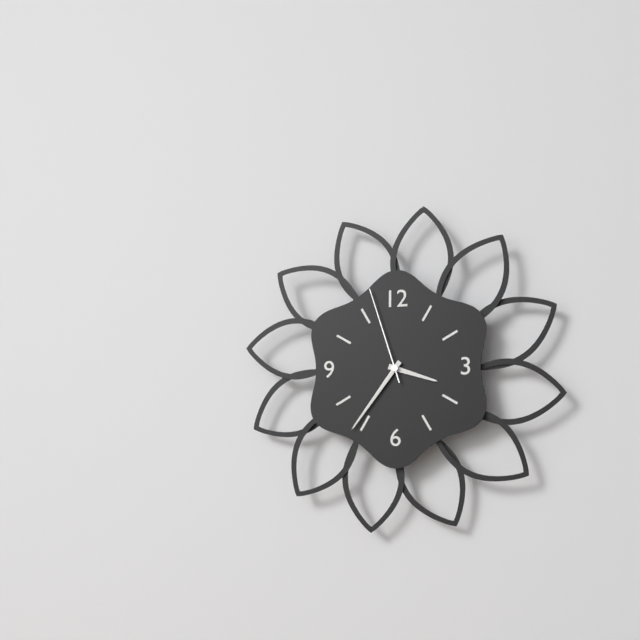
h=3 m=36 s=57
